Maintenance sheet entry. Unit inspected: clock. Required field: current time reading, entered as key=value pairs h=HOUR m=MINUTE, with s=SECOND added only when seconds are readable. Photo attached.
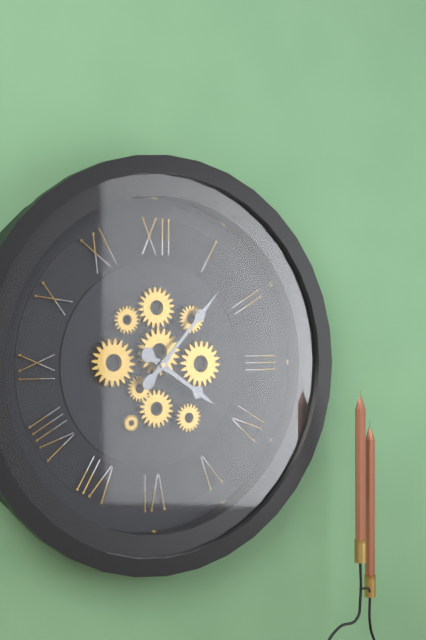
h=4 m=7
